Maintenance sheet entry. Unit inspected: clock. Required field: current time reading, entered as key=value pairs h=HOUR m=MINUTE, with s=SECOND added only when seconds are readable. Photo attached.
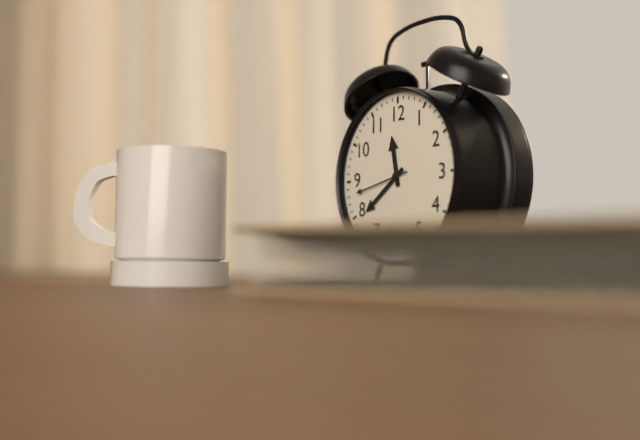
h=11 m=39 s=43
